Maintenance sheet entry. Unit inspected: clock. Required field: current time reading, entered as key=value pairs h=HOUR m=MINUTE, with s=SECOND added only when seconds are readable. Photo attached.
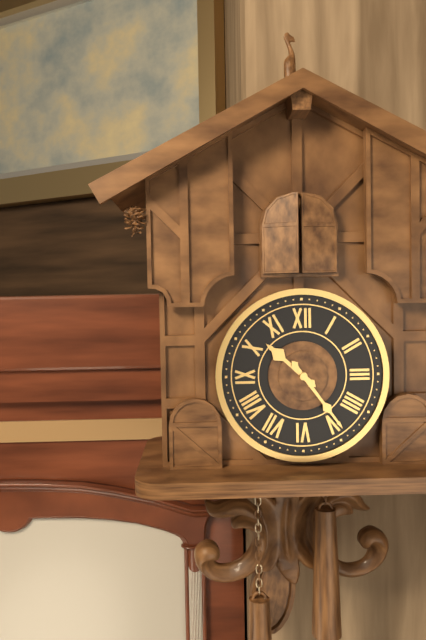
h=10 m=24
